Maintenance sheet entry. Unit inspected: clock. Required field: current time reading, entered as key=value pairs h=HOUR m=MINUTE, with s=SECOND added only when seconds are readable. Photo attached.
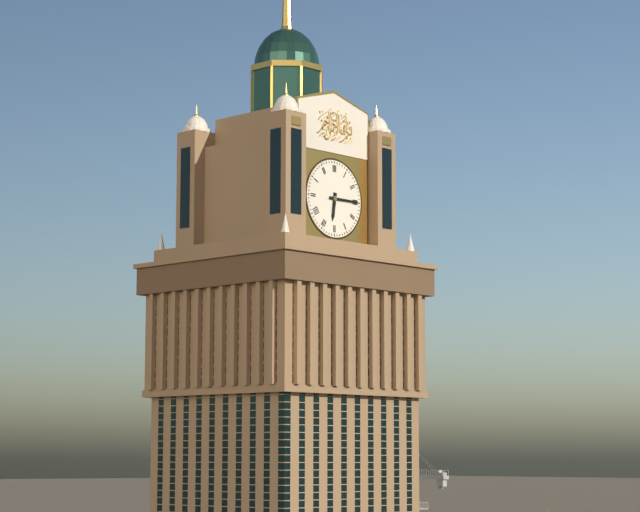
h=6 m=15
